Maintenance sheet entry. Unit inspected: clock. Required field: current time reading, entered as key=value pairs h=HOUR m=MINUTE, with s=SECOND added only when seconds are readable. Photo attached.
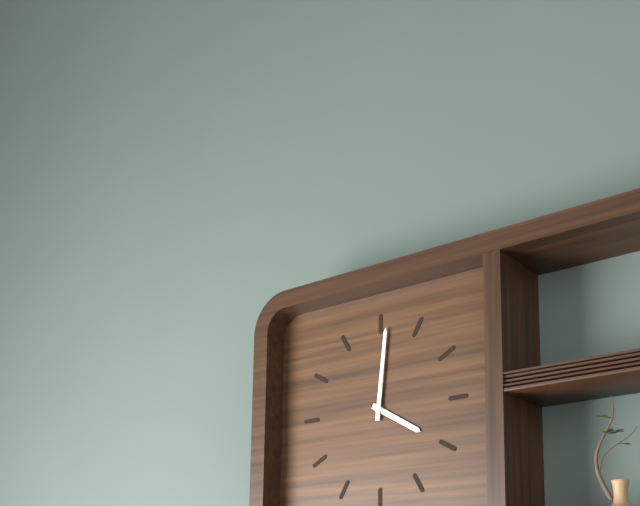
h=4 m=1
